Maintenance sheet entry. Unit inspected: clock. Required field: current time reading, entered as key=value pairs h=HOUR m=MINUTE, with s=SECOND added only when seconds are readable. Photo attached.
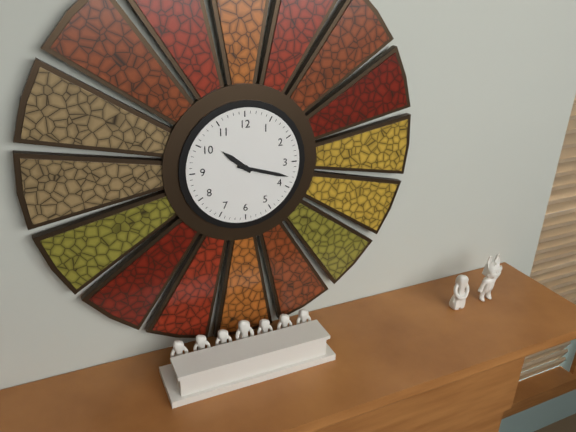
h=10 m=18
